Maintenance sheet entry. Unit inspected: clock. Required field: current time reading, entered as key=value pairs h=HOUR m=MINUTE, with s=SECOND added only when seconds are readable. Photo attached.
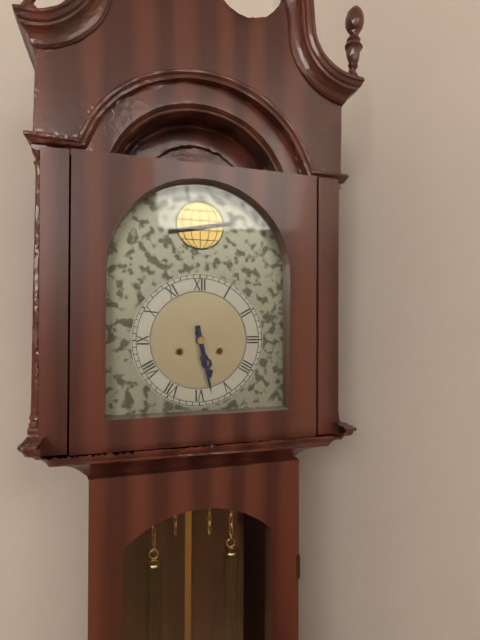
h=5 m=28
